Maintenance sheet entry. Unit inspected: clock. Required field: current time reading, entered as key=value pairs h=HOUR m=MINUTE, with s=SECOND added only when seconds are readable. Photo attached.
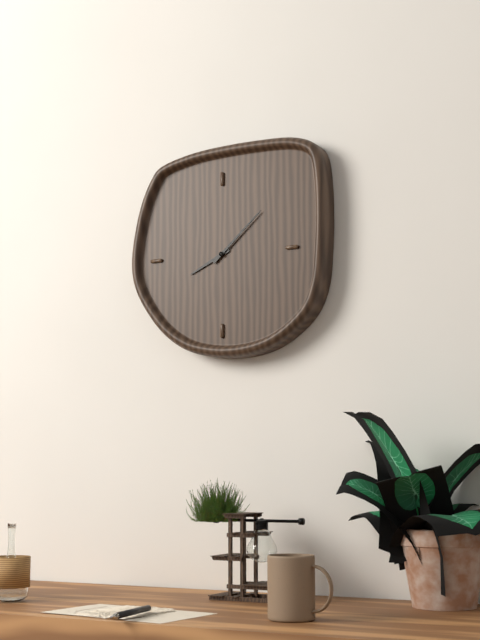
h=8 m=8
